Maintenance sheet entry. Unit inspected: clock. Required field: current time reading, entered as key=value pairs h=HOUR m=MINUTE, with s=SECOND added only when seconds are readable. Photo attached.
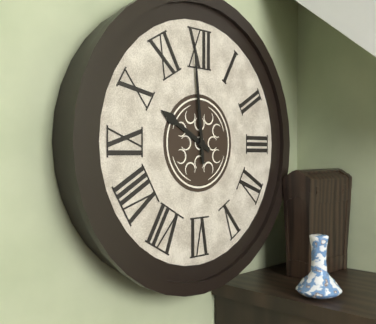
h=9 m=59
